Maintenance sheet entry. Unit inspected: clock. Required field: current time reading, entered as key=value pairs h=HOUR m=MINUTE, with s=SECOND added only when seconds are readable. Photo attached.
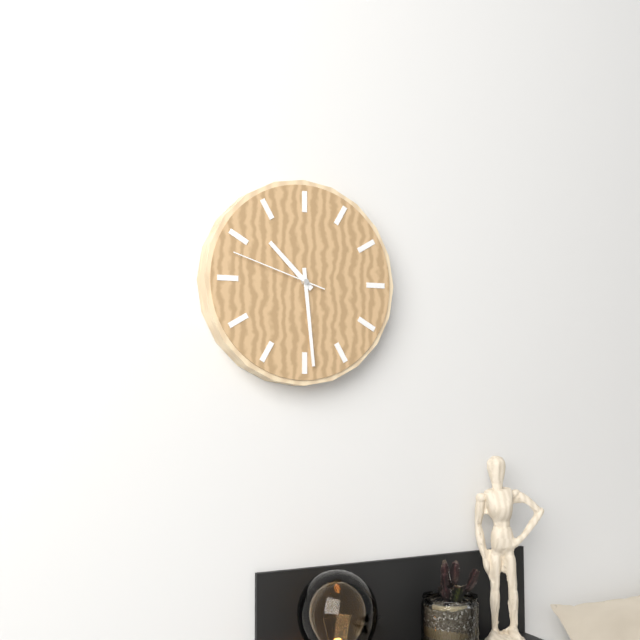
h=10 m=29 s=48
